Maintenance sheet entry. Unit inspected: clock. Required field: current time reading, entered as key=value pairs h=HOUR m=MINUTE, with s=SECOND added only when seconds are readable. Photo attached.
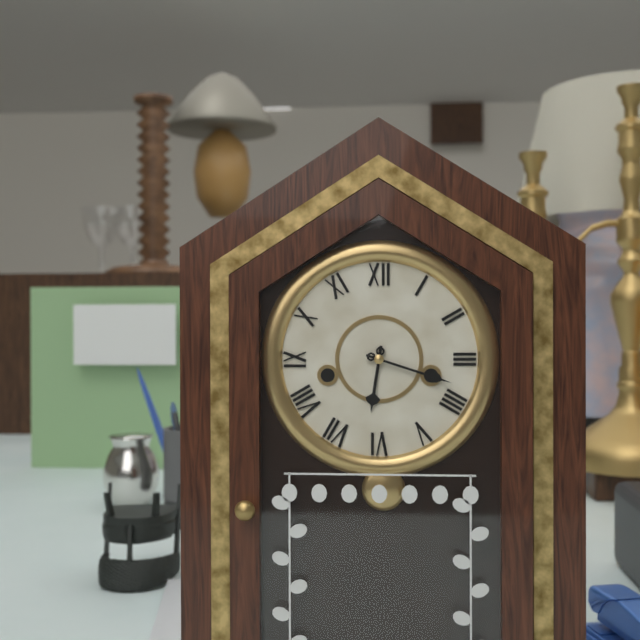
h=6 m=18
